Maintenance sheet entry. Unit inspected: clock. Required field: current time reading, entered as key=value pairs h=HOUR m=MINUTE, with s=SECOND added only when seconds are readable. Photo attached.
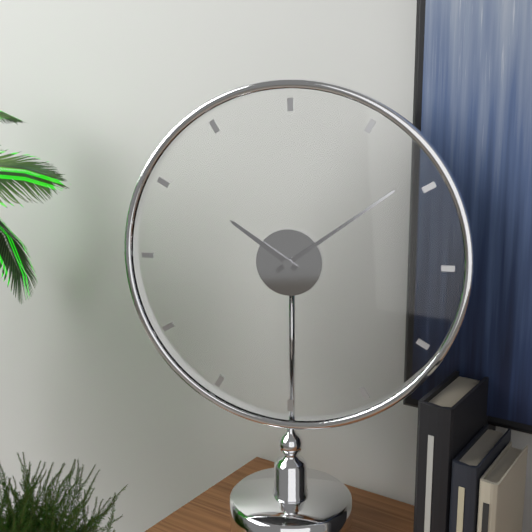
h=10 m=9
